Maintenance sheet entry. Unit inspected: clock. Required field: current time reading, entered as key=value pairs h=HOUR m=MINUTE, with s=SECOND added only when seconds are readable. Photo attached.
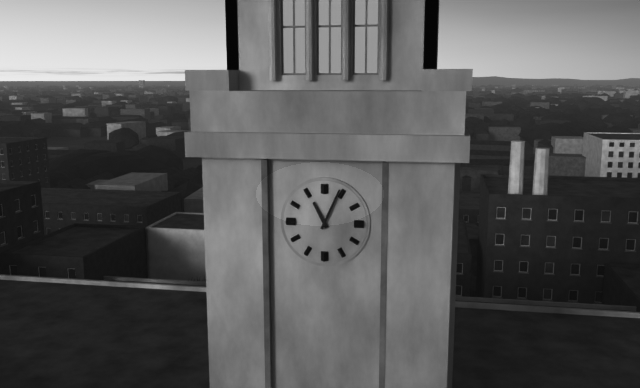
h=11 m=4
